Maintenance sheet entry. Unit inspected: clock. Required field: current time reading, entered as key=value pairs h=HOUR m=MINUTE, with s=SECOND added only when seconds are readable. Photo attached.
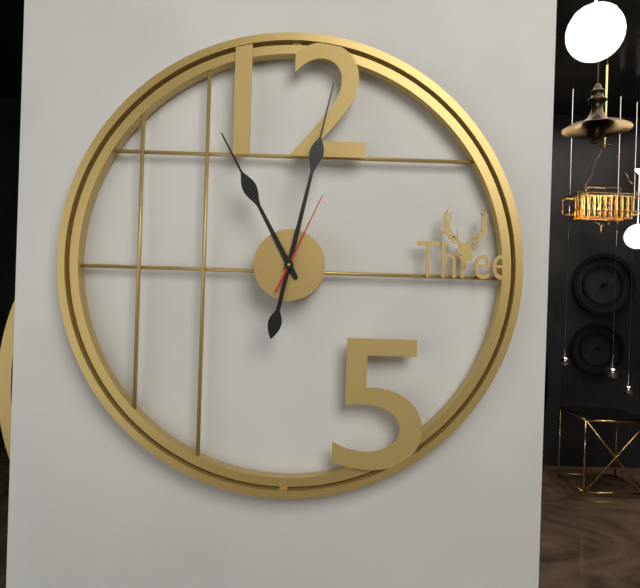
h=11 m=2 s=4
